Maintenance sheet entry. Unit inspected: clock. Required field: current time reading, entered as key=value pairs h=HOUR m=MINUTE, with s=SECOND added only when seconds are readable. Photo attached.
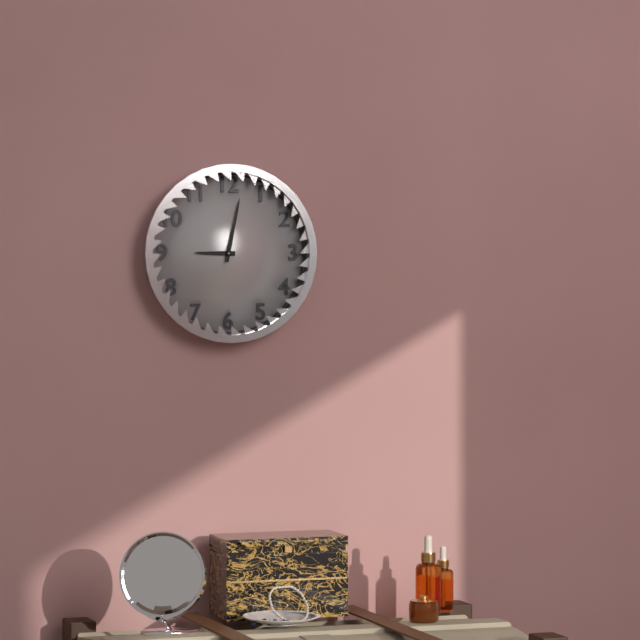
h=9 m=2
